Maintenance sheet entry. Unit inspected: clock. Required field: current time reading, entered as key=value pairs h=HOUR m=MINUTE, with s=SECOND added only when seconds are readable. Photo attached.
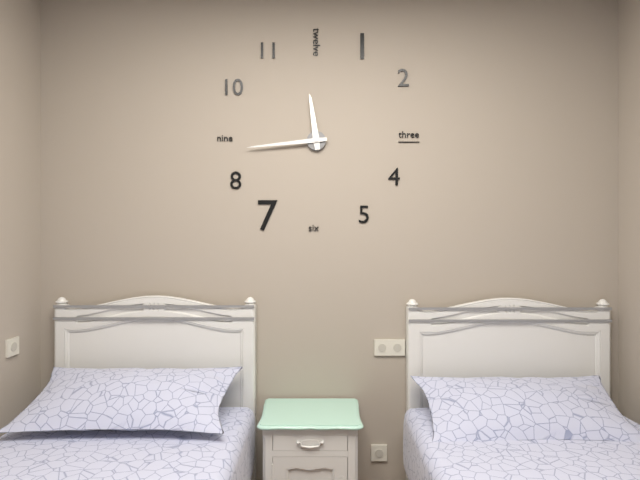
h=11 m=44
